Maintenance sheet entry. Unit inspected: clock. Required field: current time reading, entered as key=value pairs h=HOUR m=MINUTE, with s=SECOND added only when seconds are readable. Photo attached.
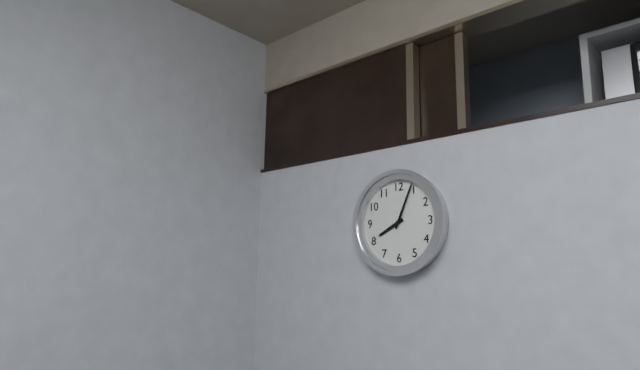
h=8 m=4
